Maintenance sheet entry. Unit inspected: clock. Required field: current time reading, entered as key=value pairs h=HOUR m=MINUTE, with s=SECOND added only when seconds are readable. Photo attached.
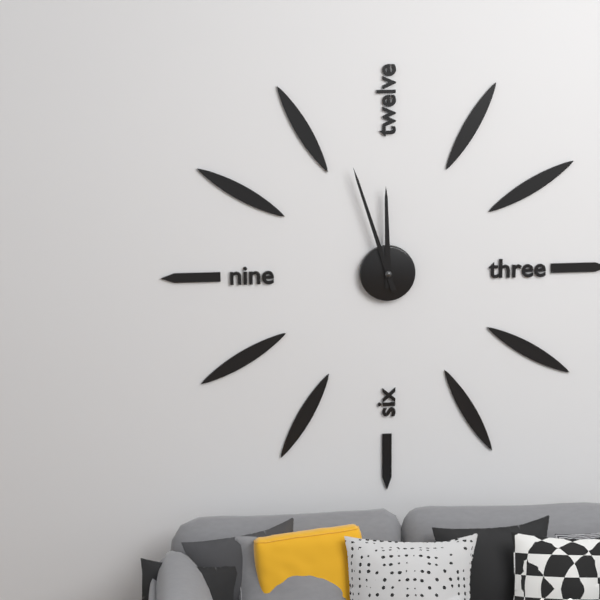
h=11 m=57
